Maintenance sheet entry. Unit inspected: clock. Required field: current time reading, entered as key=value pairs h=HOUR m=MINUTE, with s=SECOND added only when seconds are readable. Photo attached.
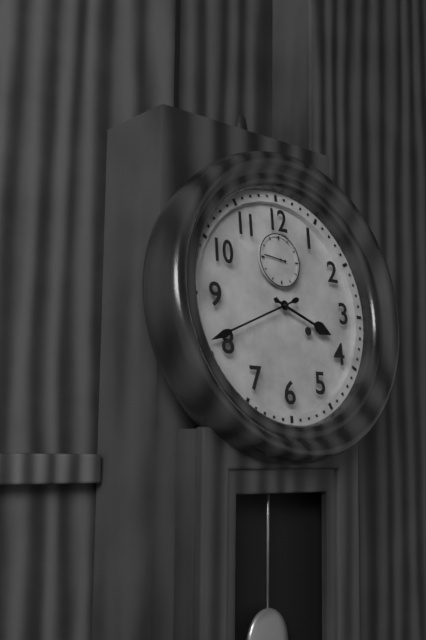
h=3 m=41
